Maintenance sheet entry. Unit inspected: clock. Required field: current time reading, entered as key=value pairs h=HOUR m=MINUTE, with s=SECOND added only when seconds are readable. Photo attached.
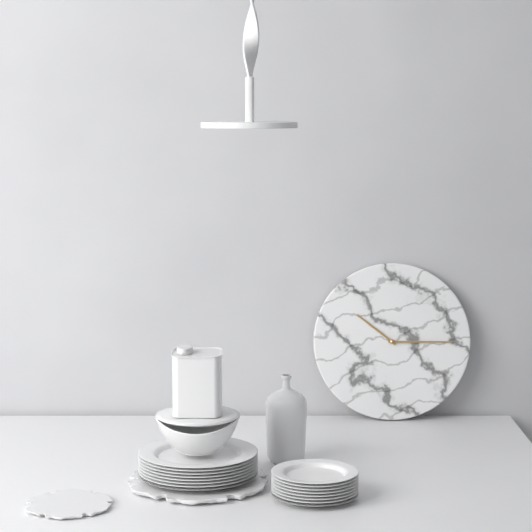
h=10 m=15
